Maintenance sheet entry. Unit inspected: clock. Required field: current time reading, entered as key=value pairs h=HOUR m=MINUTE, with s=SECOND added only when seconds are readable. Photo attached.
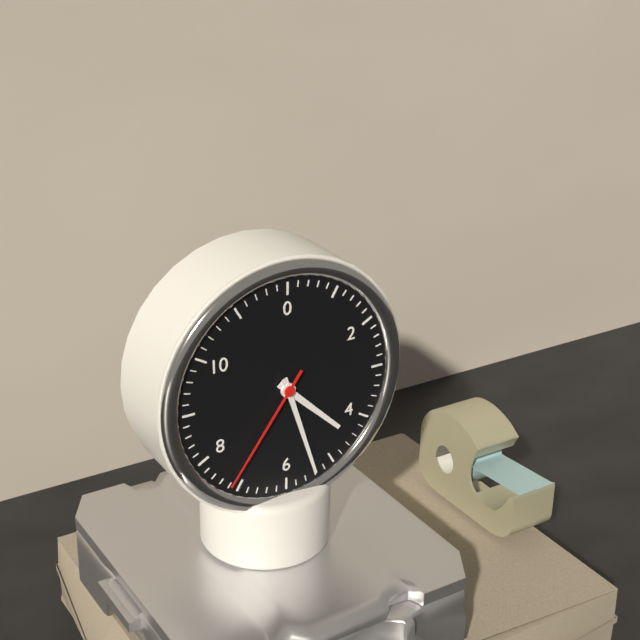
h=4 m=27 s=36
